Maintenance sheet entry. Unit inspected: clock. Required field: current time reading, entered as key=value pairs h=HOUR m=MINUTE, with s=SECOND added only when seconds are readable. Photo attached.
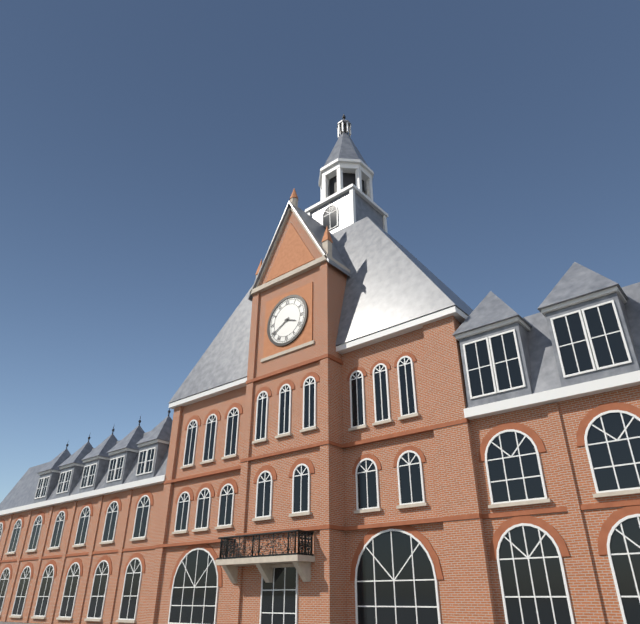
h=3 m=40
